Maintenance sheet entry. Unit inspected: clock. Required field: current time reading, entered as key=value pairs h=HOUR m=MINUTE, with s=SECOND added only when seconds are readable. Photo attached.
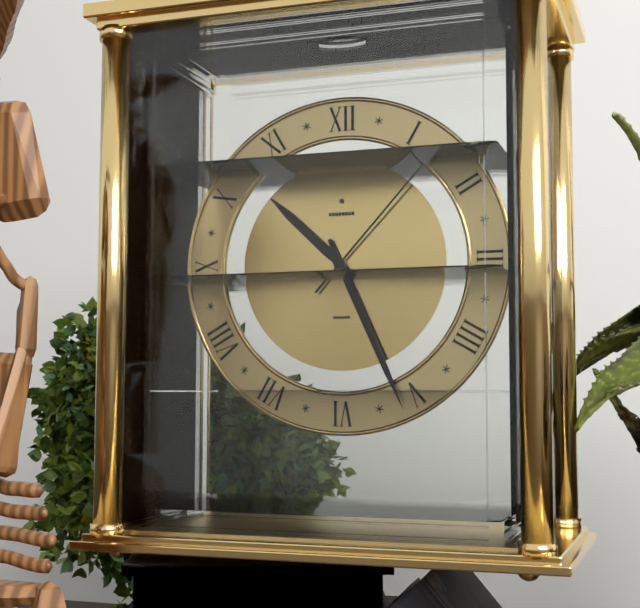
h=10 m=26 s=7
